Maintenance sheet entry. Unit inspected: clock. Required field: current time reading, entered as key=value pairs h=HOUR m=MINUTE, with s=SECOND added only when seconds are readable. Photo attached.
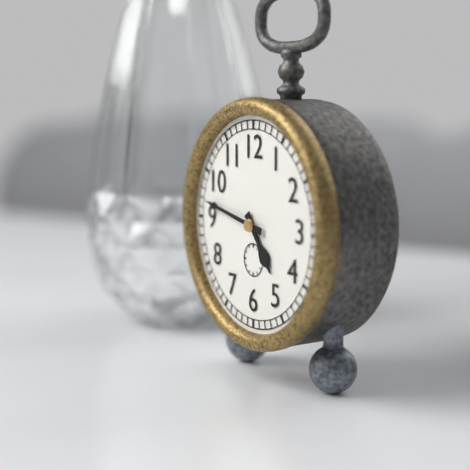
h=4 m=47
